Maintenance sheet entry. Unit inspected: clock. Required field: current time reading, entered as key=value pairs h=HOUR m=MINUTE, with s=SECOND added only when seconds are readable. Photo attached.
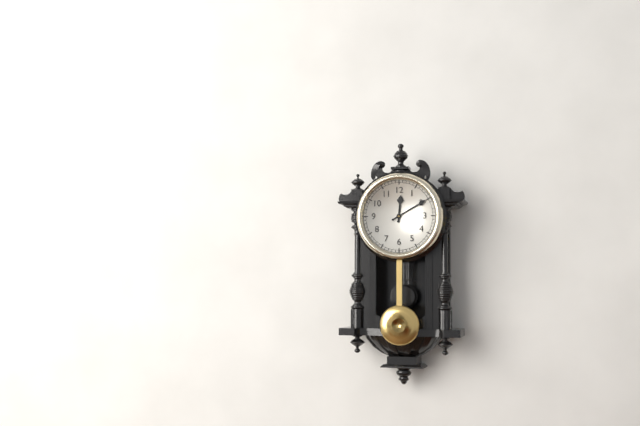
h=12 m=10
